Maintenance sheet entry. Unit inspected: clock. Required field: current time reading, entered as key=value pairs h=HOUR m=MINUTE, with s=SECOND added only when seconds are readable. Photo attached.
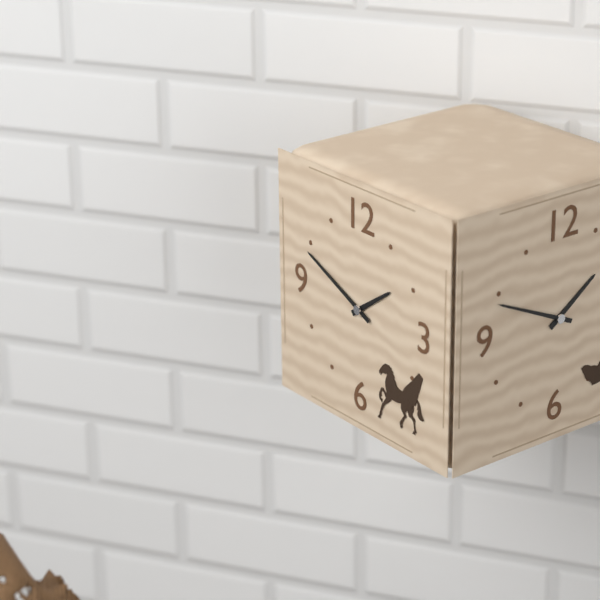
h=1 m=49
